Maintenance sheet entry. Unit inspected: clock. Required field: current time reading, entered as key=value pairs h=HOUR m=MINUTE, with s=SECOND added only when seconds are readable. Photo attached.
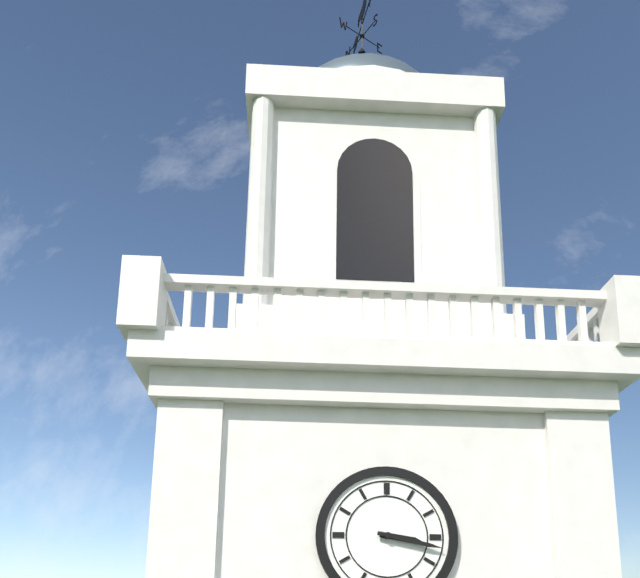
h=3 m=17
